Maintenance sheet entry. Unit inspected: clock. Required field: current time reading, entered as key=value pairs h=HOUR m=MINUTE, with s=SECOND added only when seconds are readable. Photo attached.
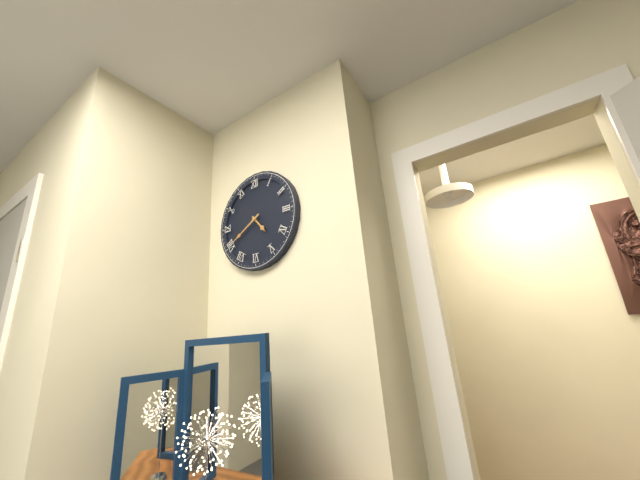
h=4 m=40
